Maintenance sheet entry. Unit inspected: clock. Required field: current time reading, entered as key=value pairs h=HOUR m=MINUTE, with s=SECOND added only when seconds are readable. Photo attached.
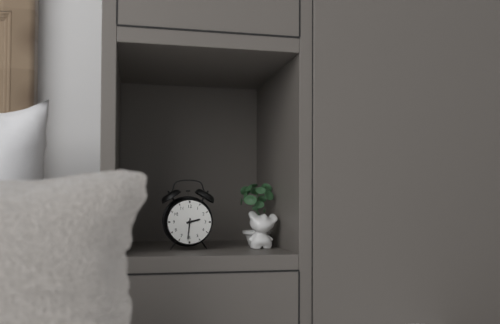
h=2 m=31
